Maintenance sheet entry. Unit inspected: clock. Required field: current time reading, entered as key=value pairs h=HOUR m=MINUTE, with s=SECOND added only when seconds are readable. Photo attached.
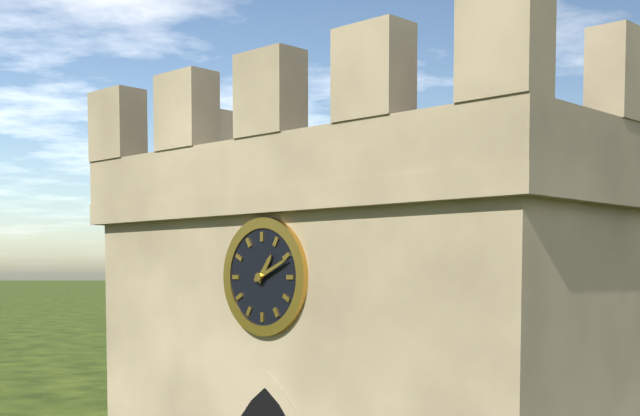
h=1 m=11
